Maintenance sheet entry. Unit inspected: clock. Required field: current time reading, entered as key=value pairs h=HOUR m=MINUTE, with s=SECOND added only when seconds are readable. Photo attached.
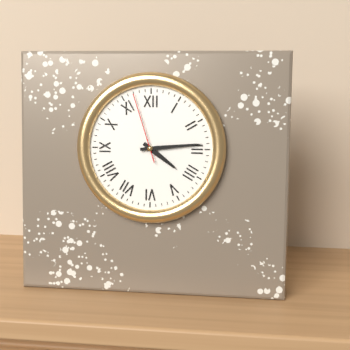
h=4 m=14 s=57
